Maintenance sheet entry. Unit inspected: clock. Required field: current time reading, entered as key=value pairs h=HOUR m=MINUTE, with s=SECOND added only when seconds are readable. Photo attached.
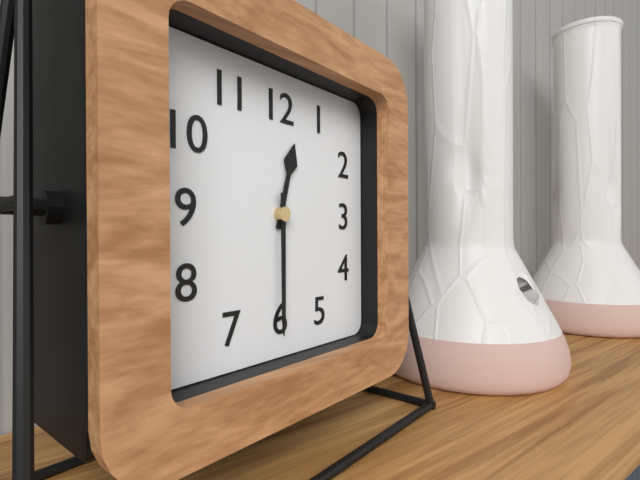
h=12 m=30
